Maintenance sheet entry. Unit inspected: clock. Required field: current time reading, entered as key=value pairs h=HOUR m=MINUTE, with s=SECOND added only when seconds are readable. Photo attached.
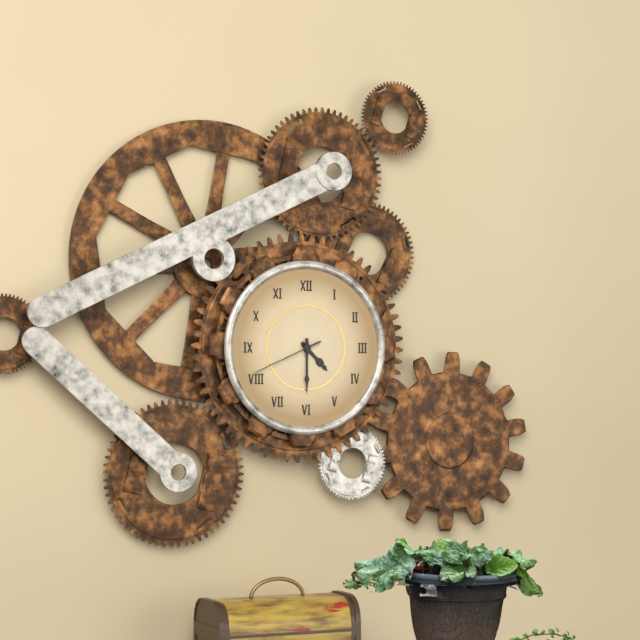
h=4 m=30 s=41
